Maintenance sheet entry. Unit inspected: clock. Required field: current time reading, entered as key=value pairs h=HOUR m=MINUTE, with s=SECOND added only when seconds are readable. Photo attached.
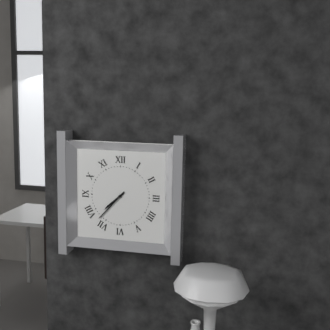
h=7 m=37
